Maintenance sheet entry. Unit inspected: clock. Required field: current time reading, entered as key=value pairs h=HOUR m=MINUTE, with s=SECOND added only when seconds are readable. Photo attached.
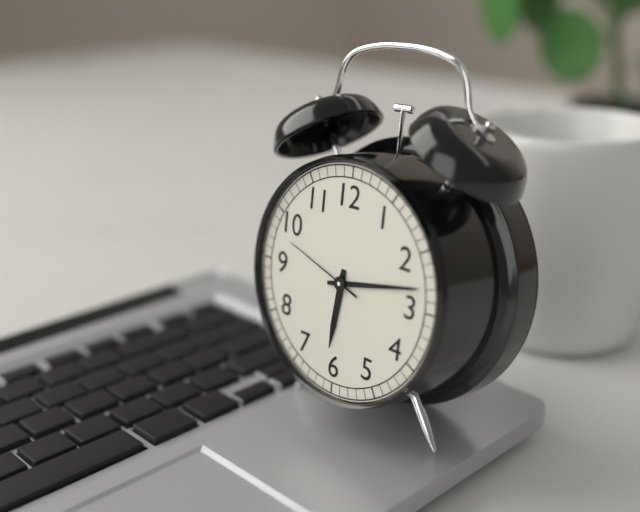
h=6 m=13 s=48
